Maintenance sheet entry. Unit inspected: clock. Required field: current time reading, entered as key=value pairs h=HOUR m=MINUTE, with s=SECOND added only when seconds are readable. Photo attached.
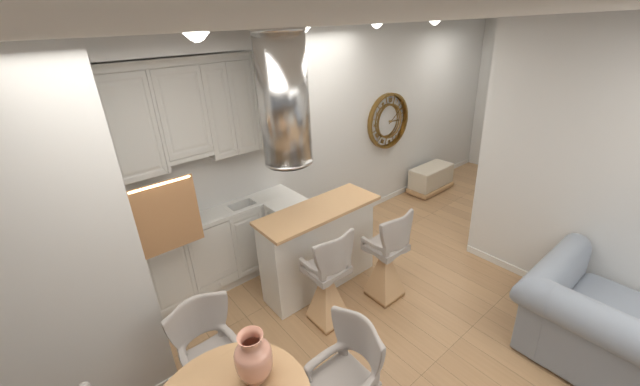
h=3 m=9
